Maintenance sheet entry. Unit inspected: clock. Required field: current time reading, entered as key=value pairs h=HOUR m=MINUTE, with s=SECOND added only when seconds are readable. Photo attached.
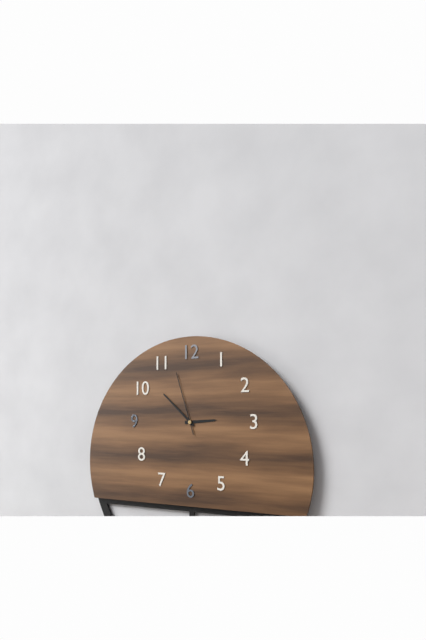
h=2 m=52 s=57
